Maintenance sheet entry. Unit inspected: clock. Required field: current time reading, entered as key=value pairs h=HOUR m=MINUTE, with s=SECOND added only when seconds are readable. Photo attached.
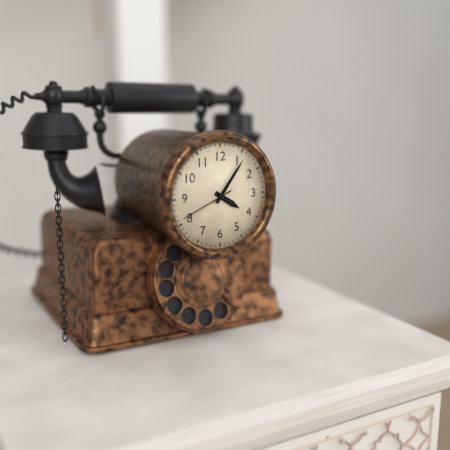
h=4 m=6 s=41
